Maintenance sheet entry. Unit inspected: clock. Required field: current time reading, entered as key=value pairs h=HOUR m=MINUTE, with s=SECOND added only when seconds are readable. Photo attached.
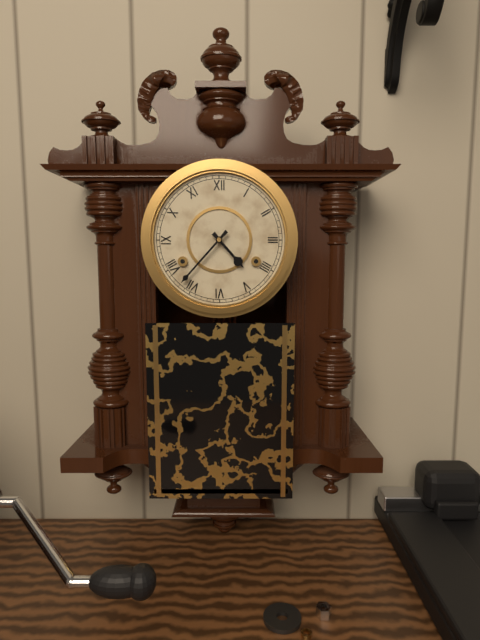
h=4 m=37
